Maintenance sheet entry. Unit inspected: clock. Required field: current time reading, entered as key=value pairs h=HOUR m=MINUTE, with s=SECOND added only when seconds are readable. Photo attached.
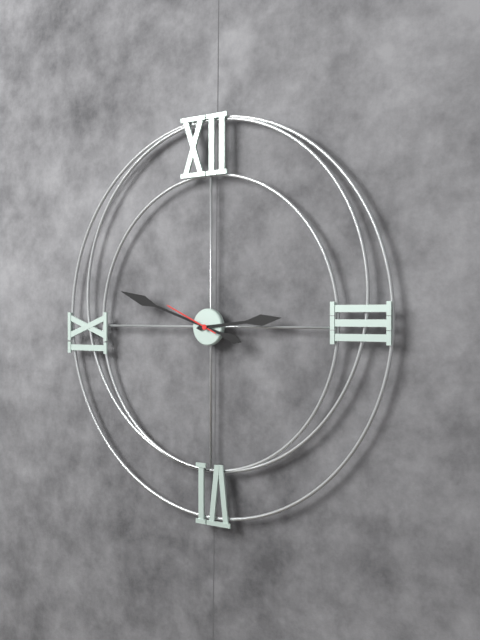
h=2 m=48 s=49
